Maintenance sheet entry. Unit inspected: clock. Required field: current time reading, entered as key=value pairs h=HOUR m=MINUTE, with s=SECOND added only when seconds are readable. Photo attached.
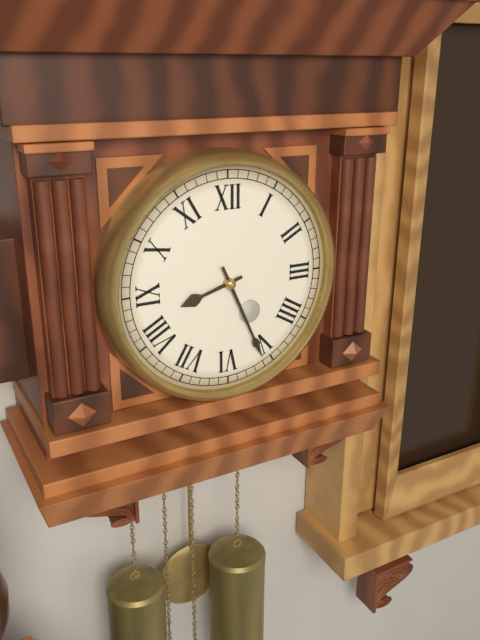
h=8 m=26
